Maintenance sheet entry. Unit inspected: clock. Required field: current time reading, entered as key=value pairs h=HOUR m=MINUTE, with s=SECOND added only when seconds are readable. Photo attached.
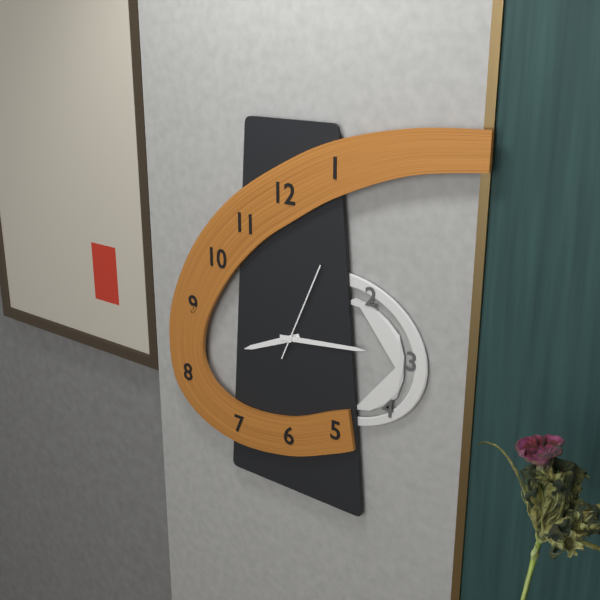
h=8 m=14 s=4
